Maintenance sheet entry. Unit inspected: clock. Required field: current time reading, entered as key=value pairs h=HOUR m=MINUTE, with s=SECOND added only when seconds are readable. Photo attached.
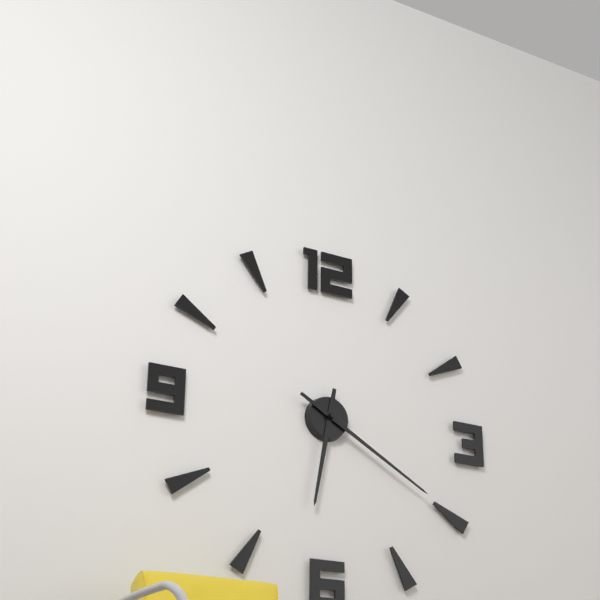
h=6 m=20
